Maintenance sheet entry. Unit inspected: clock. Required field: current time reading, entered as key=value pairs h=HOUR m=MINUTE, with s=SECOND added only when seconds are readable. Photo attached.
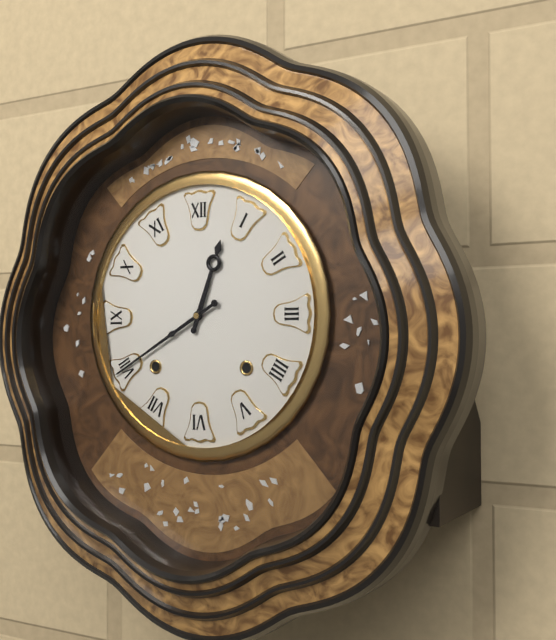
h=12 m=40
